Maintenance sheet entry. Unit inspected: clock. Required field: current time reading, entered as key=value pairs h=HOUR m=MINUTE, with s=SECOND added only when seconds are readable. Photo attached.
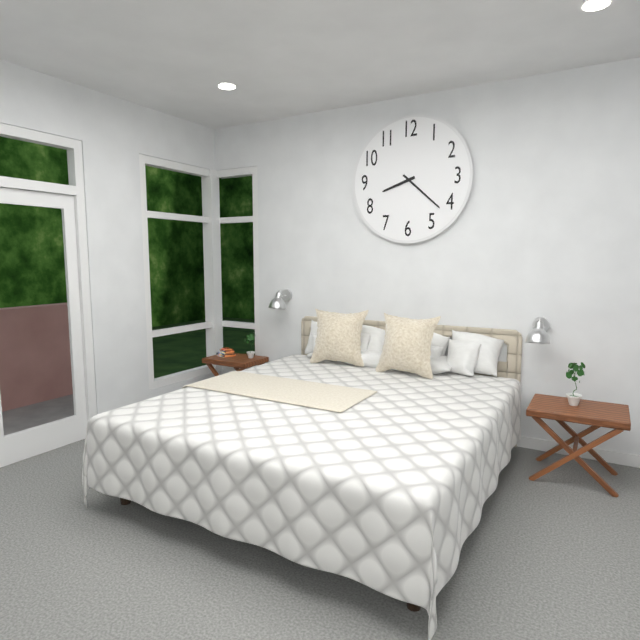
h=8 m=22
